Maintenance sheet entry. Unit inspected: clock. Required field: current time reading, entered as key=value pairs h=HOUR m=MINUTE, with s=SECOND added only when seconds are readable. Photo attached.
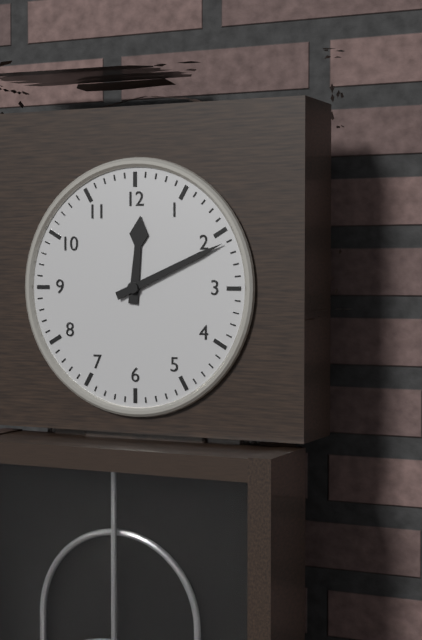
h=12 m=11
